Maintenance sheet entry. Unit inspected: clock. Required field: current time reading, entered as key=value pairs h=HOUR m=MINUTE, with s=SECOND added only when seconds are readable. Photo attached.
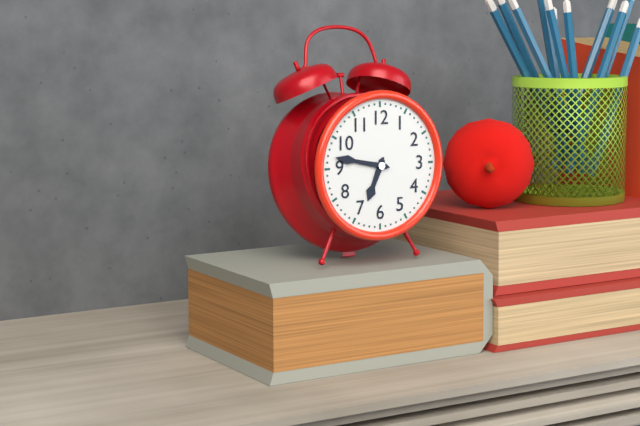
h=6 m=47
